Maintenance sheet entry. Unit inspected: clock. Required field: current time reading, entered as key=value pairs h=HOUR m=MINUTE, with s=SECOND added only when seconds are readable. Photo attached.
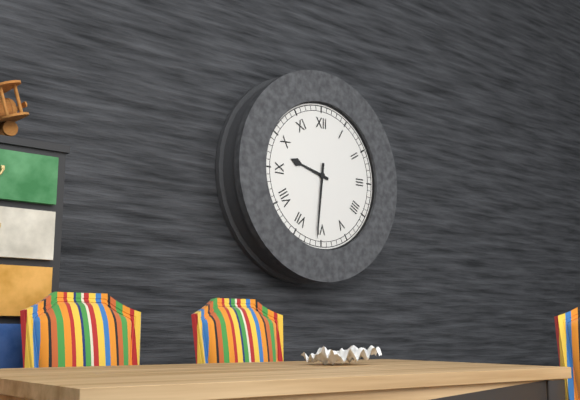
h=9 m=31
